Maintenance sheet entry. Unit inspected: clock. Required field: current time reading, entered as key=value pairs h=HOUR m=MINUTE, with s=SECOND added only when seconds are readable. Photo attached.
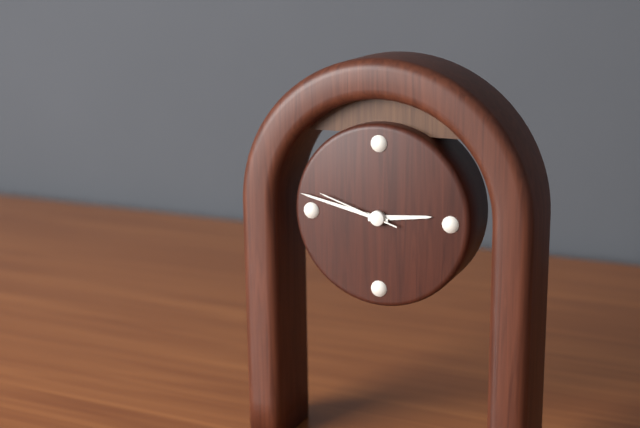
h=2 m=47 s=48
